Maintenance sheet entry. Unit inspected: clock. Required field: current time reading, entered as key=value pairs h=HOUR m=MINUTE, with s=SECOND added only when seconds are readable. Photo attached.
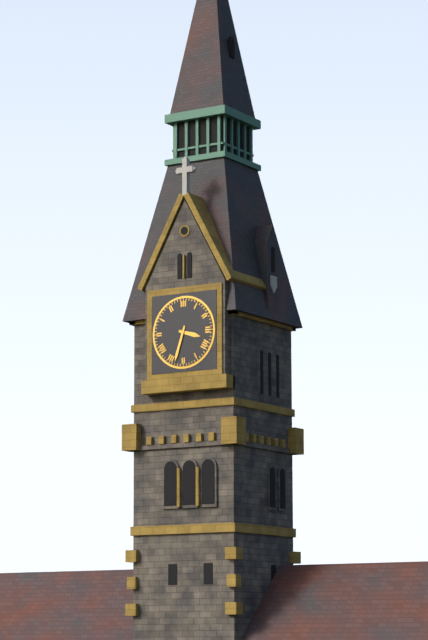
h=3 m=33
